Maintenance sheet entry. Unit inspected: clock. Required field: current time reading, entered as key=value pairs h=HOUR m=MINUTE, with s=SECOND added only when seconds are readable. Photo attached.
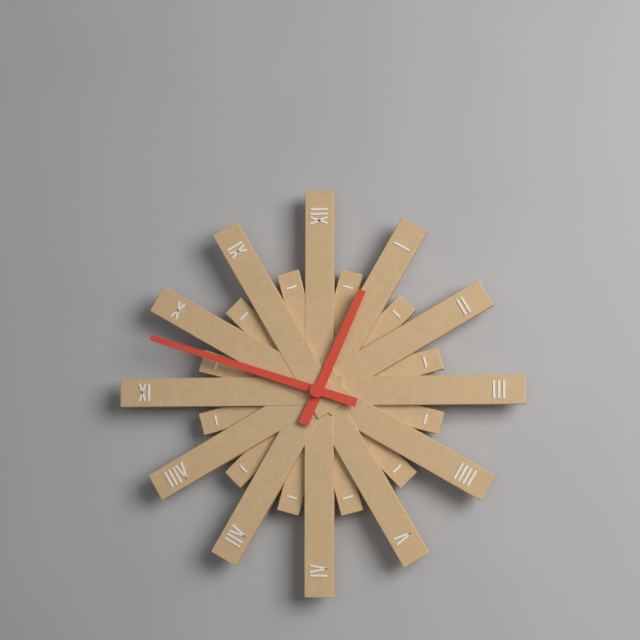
h=12 m=48
